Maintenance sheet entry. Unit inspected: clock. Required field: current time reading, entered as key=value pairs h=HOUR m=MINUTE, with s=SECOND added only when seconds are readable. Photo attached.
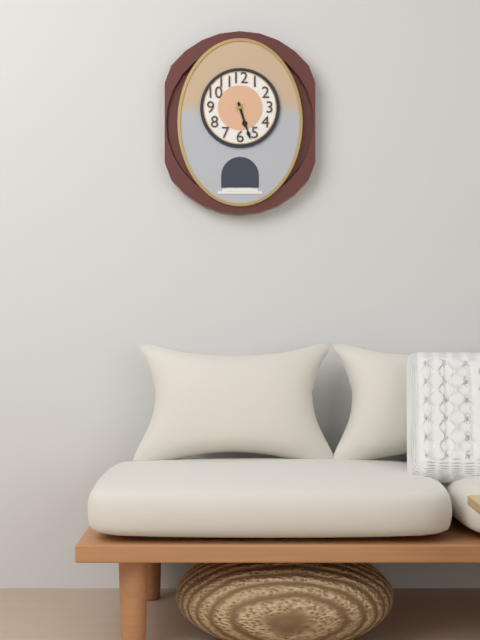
h=5 m=27
